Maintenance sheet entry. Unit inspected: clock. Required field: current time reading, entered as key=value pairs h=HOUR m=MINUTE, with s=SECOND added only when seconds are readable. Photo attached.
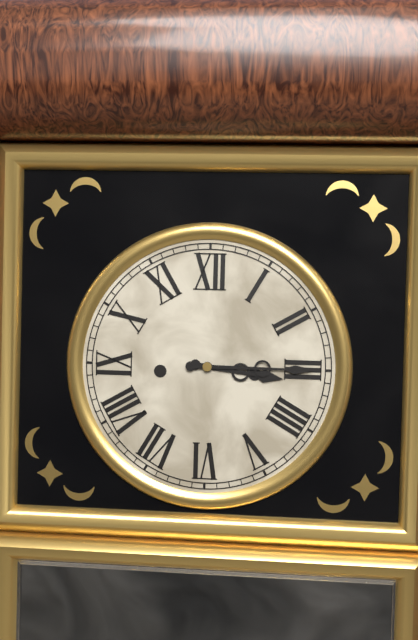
h=3 m=15
